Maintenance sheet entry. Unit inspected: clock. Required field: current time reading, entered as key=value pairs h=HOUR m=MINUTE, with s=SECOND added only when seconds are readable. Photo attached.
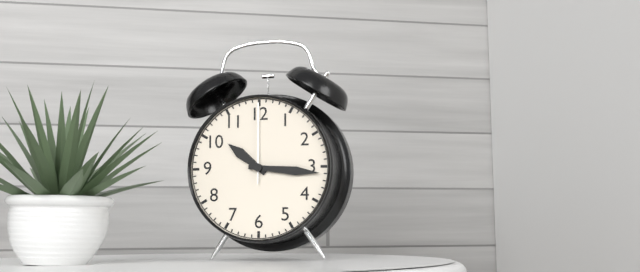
h=10 m=16 s=0
